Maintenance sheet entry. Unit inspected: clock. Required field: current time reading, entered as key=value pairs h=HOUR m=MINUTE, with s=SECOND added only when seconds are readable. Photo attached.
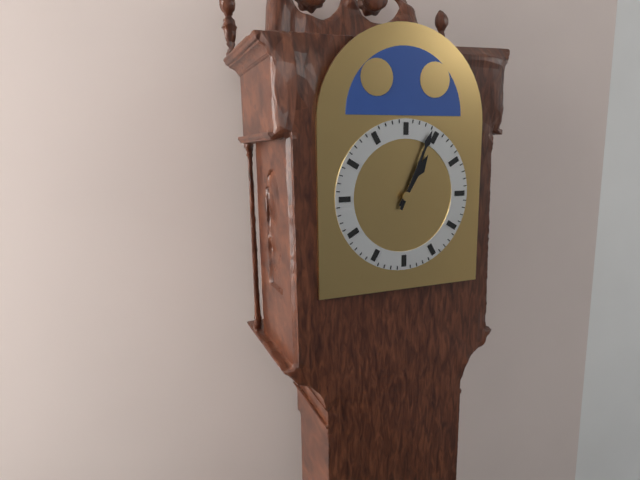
h=1 m=4
